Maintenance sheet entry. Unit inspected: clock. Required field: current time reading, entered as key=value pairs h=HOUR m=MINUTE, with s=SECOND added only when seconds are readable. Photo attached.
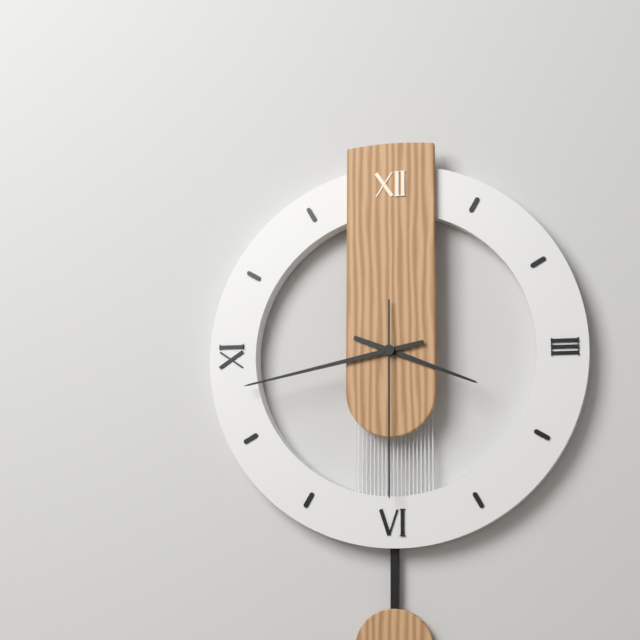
h=3 m=43 s=30
